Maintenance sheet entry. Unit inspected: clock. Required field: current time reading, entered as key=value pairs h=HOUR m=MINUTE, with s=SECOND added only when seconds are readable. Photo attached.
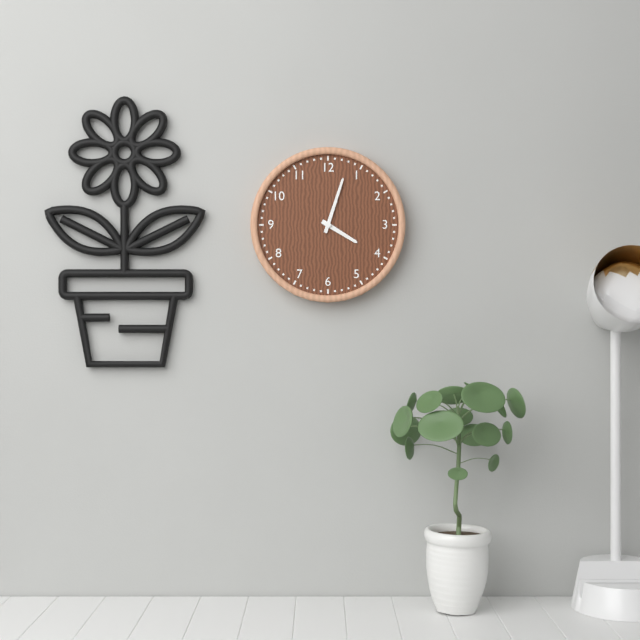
h=4 m=3
